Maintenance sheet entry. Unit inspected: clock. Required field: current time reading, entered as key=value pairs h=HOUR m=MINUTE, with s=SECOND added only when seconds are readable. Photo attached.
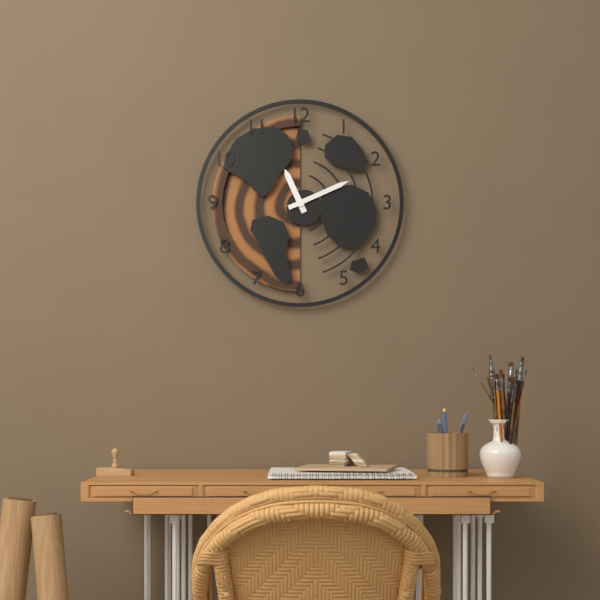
h=11 m=11
